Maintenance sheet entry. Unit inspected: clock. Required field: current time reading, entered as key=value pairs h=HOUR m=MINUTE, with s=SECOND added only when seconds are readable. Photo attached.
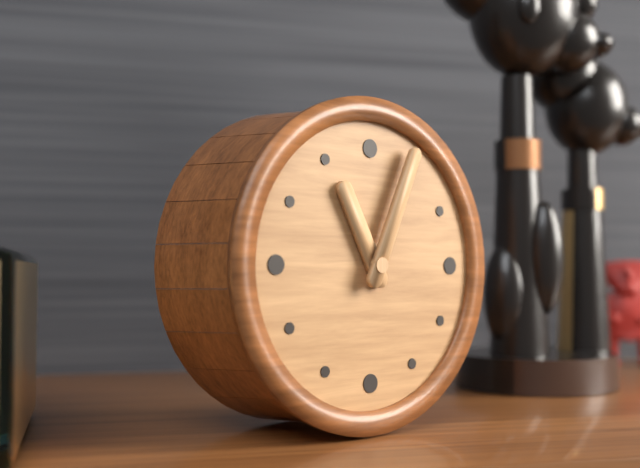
h=11 m=4
